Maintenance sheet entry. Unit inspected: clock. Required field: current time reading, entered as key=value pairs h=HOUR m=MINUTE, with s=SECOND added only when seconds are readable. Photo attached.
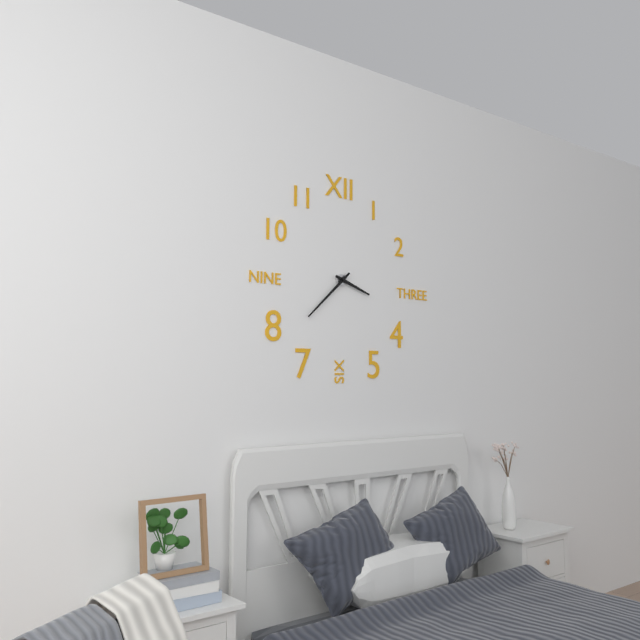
h=3 m=38
